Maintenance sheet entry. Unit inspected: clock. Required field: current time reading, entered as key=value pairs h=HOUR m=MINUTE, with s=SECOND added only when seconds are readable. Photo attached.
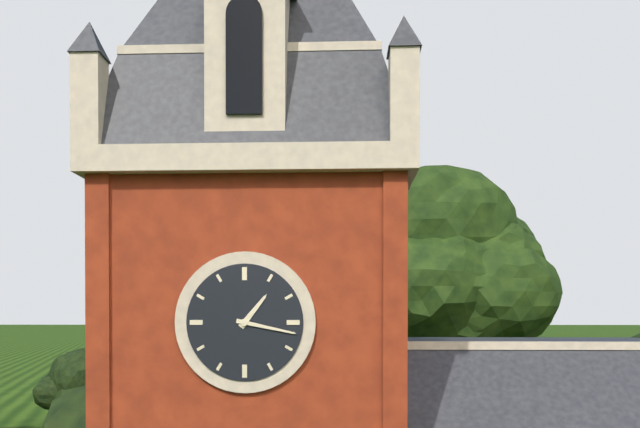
h=1 m=17
